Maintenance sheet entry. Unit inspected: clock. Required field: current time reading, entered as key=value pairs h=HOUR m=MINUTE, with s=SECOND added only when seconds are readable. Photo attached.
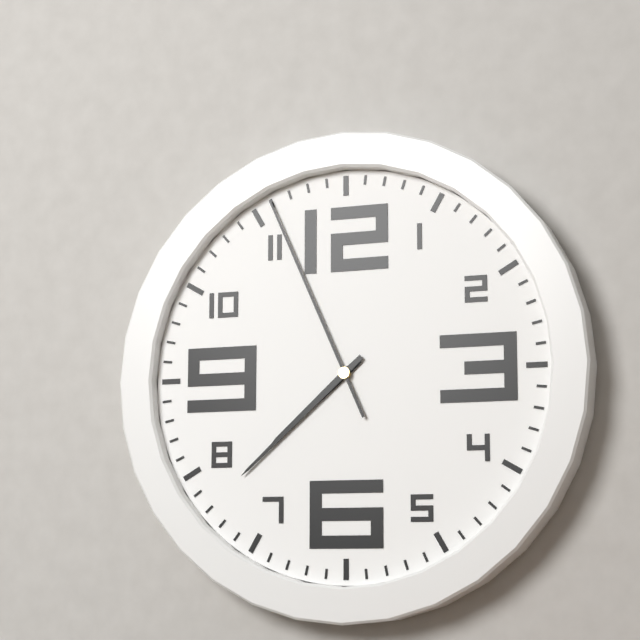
h=7 m=38 s=56
